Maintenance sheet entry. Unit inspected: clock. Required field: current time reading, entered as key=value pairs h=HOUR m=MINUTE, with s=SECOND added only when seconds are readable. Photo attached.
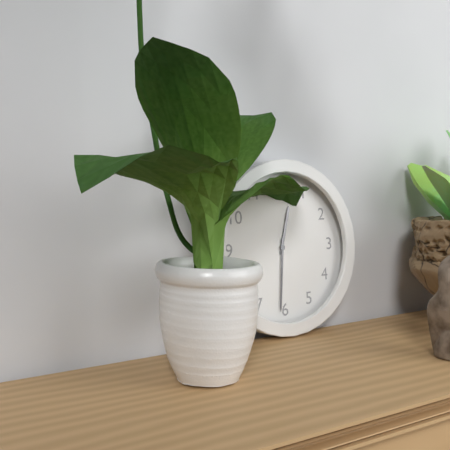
h=12 m=31
